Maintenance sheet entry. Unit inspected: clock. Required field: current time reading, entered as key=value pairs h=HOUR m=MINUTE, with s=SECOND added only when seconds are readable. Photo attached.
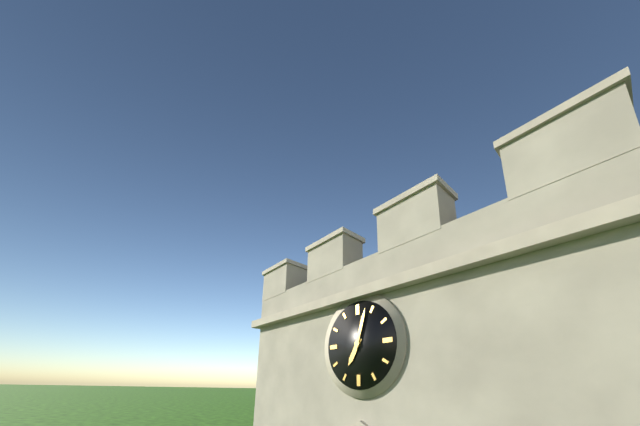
h=7 m=3
